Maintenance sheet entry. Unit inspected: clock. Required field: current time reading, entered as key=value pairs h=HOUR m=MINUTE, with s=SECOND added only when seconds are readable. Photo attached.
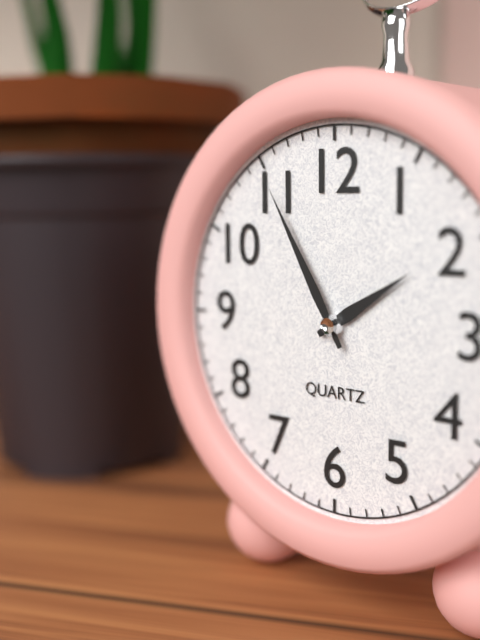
h=1 m=55
